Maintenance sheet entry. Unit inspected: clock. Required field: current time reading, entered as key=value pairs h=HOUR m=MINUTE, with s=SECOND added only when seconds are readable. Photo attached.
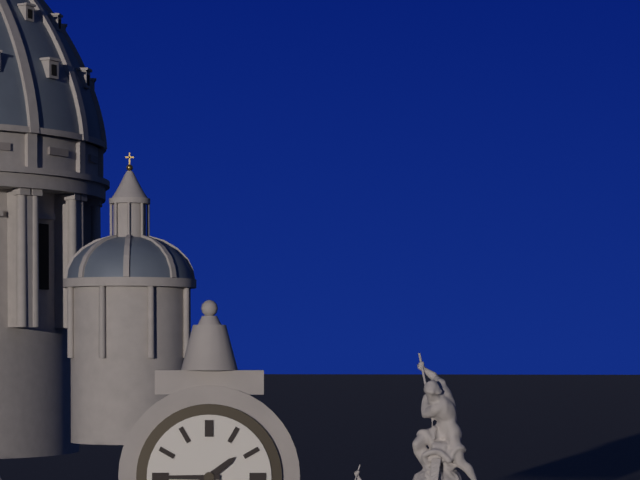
h=1 m=45
